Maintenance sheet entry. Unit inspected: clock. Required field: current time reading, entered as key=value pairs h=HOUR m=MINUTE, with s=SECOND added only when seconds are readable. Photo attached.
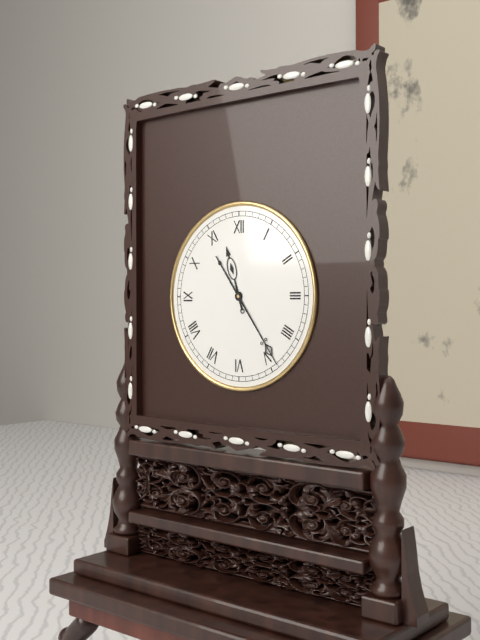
h=11 m=24
